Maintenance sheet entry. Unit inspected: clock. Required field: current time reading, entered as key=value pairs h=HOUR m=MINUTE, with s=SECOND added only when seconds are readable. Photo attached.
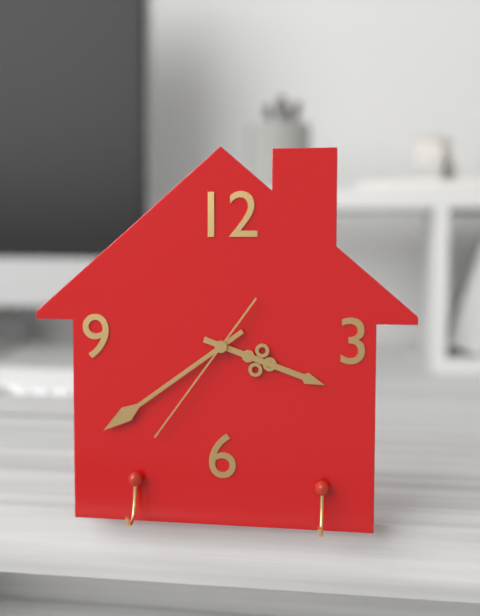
h=3 m=39 s=36
